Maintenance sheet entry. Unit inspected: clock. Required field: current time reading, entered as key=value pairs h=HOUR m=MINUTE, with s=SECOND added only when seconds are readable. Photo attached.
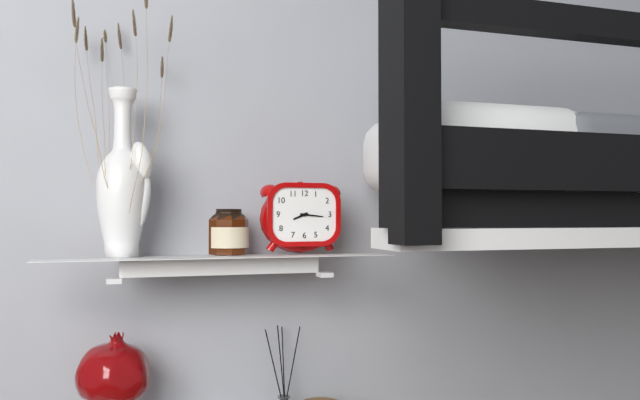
h=8 m=16
